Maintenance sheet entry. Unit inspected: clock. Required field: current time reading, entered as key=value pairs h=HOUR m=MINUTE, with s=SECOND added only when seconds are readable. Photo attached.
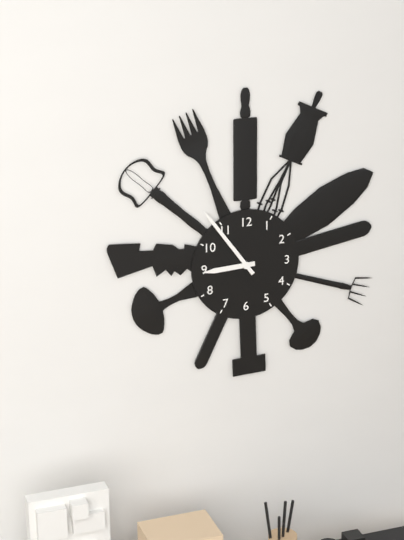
h=8 m=54
